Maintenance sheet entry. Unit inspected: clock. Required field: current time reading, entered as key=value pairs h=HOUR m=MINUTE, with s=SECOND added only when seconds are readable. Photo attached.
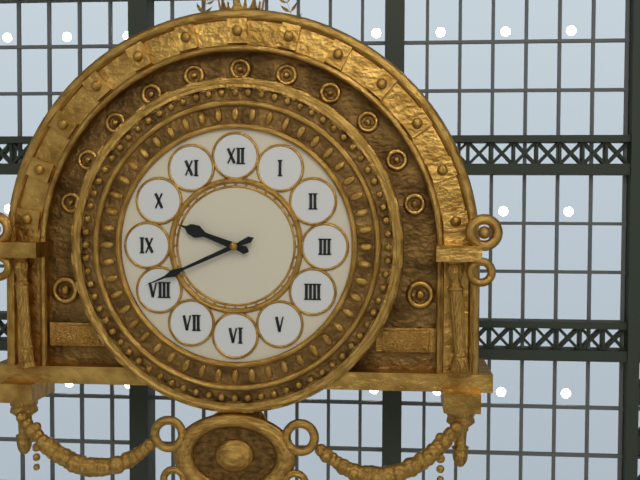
h=9 m=41
